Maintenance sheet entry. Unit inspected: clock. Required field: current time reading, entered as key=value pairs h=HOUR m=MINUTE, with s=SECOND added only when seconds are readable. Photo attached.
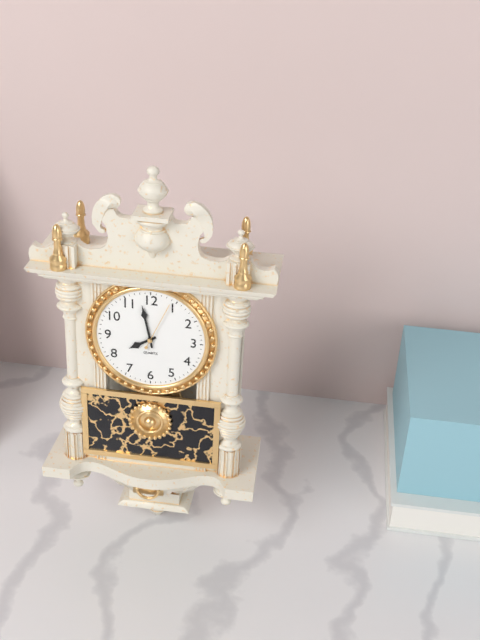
h=7 m=58 s=4
